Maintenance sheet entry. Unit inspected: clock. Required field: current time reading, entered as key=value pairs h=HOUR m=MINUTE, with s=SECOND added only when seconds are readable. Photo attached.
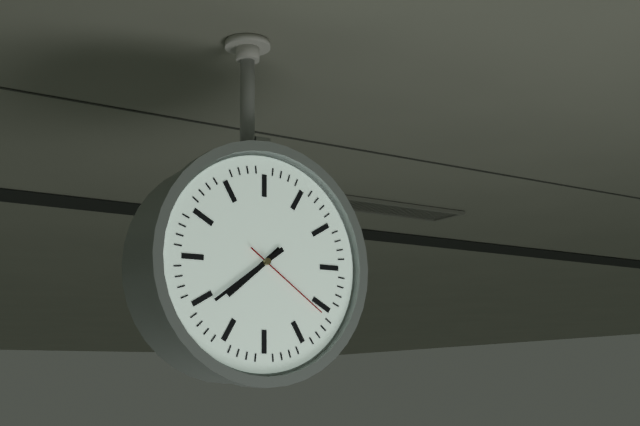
h=7 m=39 s=21
